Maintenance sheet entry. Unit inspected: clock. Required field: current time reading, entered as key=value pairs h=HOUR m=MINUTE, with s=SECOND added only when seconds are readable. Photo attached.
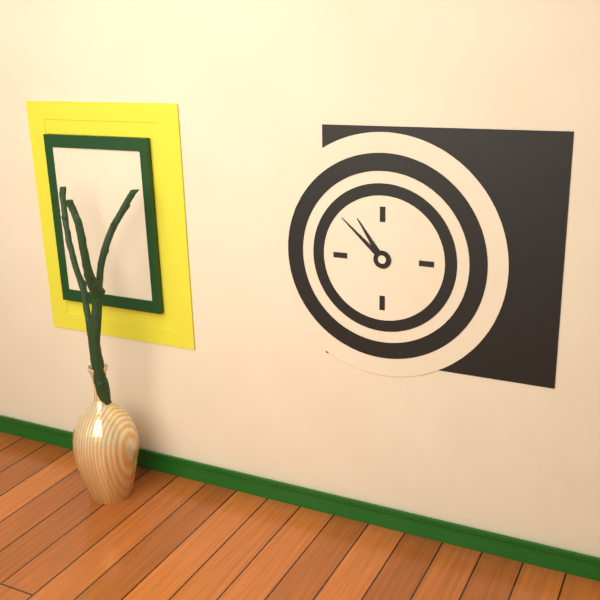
h=10 m=52
